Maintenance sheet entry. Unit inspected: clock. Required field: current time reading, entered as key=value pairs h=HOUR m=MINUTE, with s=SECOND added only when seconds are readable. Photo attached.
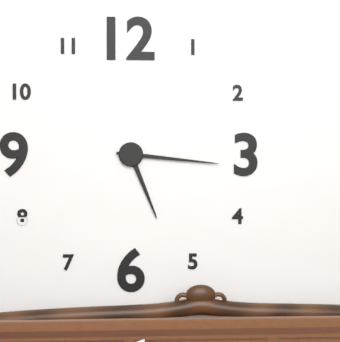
h=5 m=16
